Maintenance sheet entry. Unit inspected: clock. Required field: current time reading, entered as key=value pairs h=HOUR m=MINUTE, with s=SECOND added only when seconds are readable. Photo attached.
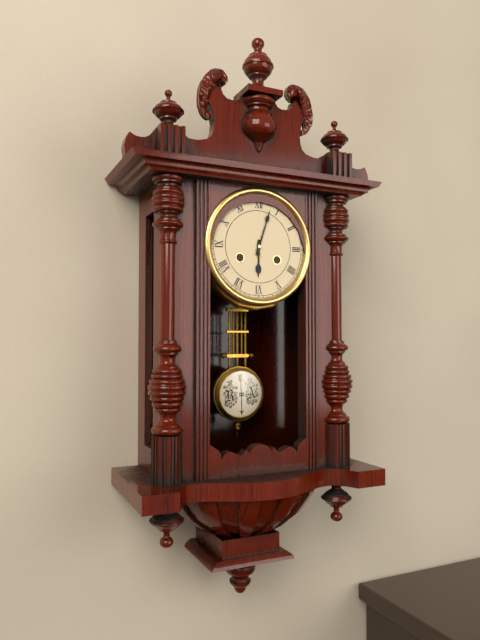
h=6 m=3
